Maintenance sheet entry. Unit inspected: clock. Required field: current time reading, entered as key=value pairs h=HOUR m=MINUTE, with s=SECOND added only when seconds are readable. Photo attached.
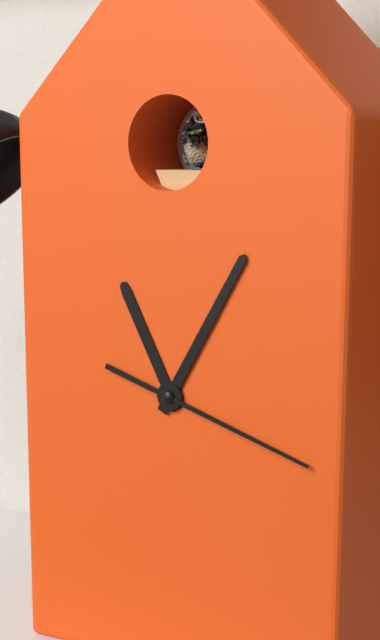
h=11 m=5 s=18
